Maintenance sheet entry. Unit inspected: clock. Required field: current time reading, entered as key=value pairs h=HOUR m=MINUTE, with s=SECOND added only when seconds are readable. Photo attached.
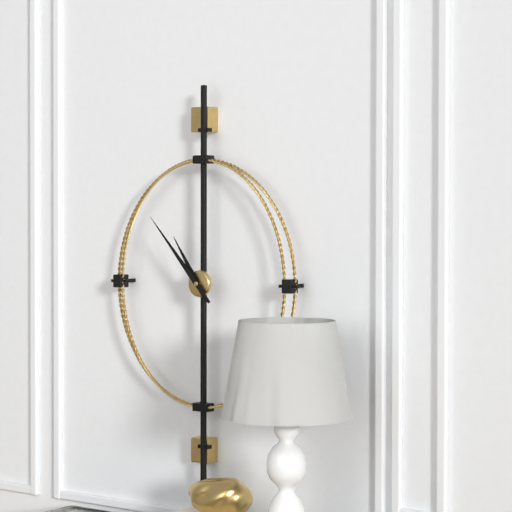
h=10 m=53
